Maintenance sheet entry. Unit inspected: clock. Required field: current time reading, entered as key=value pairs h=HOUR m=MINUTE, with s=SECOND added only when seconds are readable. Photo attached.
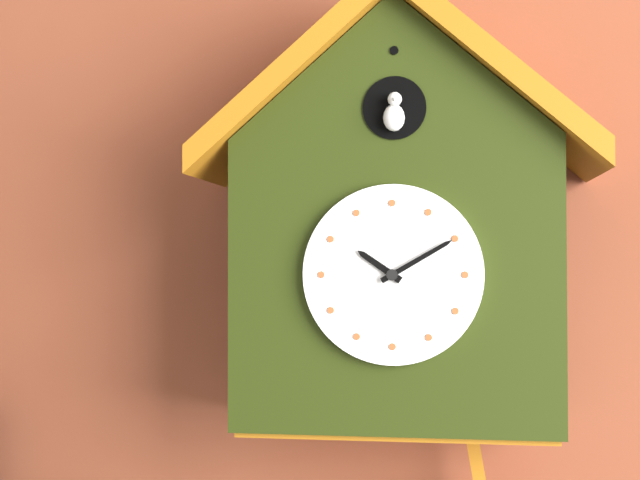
h=10 m=10
